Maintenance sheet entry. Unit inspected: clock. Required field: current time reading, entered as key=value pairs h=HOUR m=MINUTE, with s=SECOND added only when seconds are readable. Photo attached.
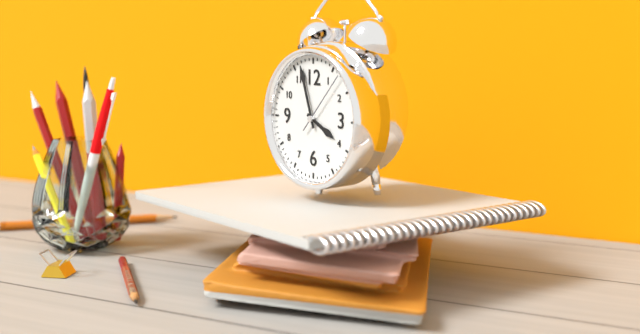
h=3 m=57 s=7
